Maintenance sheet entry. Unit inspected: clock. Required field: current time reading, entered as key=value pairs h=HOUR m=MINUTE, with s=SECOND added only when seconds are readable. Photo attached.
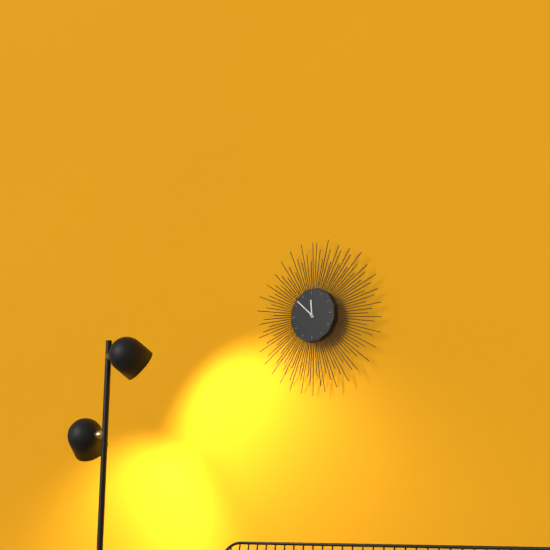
h=11 m=52
